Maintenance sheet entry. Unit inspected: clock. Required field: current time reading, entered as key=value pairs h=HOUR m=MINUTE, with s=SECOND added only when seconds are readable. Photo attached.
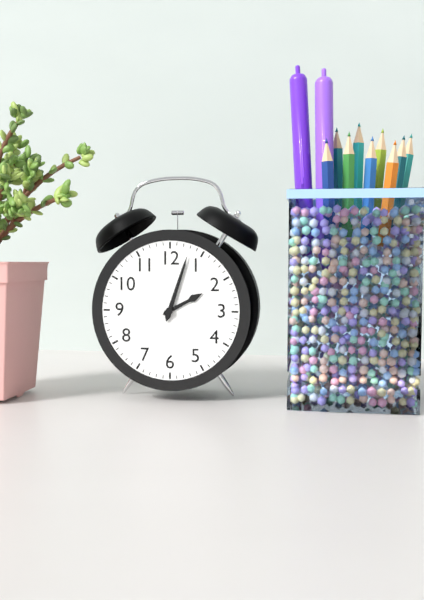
h=2 m=3
